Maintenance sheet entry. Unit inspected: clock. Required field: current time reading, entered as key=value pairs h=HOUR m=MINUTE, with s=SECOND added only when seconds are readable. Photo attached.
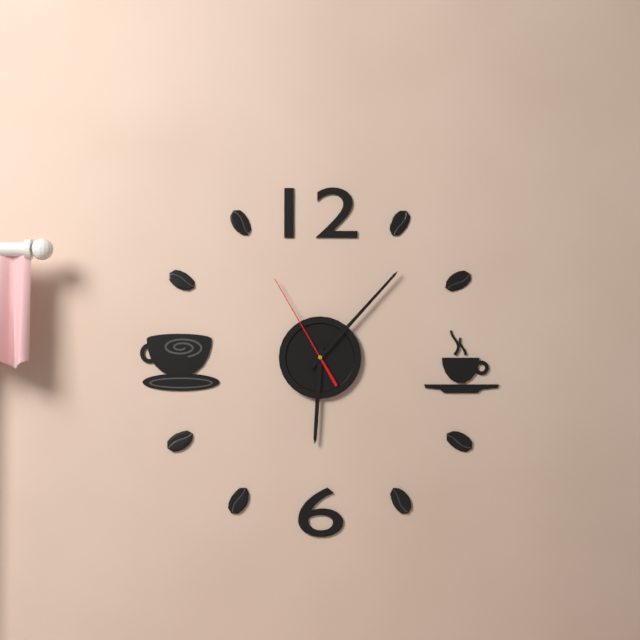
h=6 m=7 s=55
